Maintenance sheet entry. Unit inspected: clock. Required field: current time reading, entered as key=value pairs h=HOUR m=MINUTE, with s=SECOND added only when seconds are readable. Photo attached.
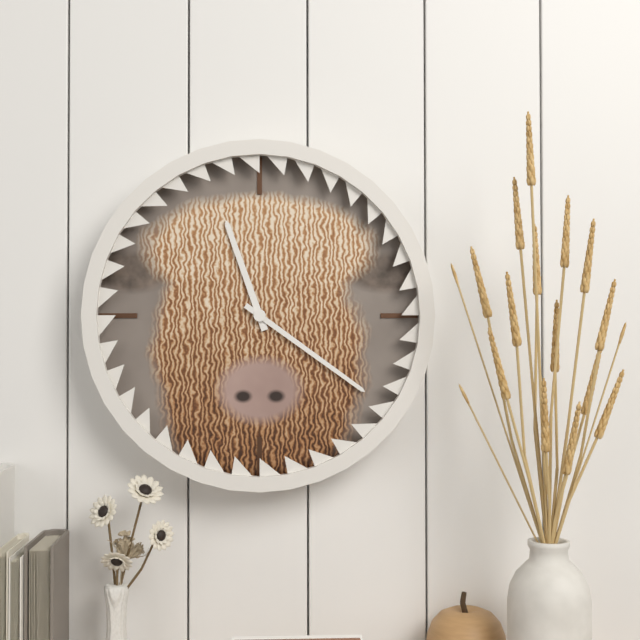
h=11 m=21
